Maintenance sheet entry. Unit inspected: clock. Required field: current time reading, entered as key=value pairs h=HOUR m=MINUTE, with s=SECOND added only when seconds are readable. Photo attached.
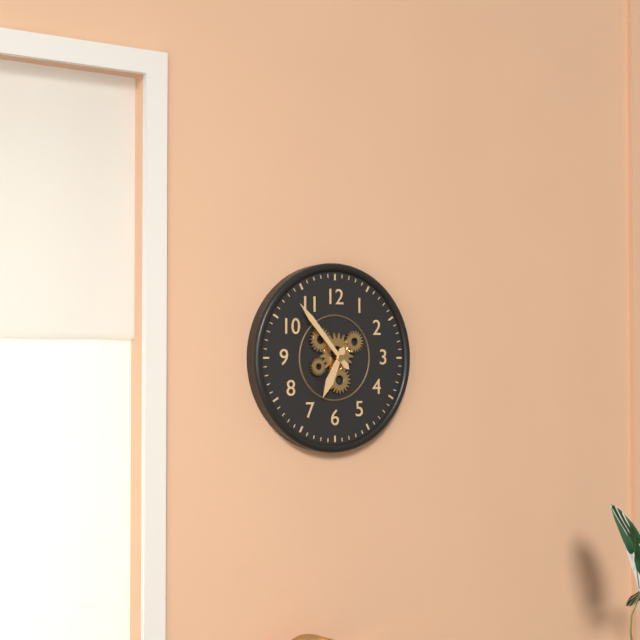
h=6 m=53
